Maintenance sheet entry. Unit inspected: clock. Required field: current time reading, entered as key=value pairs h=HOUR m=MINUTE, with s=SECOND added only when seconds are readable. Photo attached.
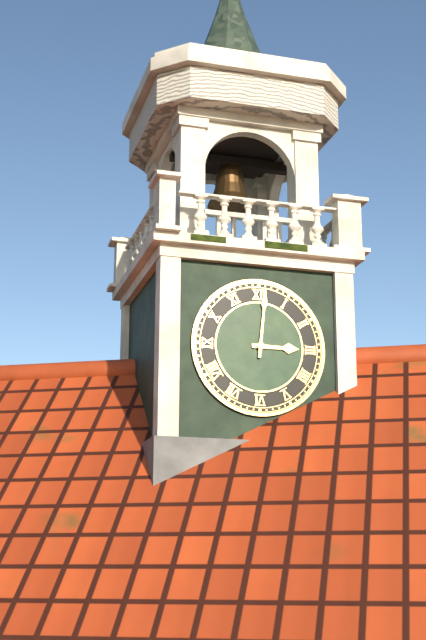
h=3 m=1
